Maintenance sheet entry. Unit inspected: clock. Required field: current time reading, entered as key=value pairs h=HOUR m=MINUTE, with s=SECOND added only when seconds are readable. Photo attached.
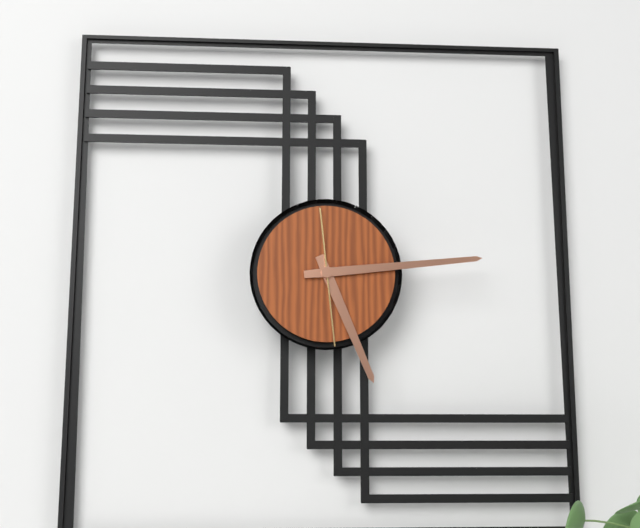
h=5 m=14 s=29
